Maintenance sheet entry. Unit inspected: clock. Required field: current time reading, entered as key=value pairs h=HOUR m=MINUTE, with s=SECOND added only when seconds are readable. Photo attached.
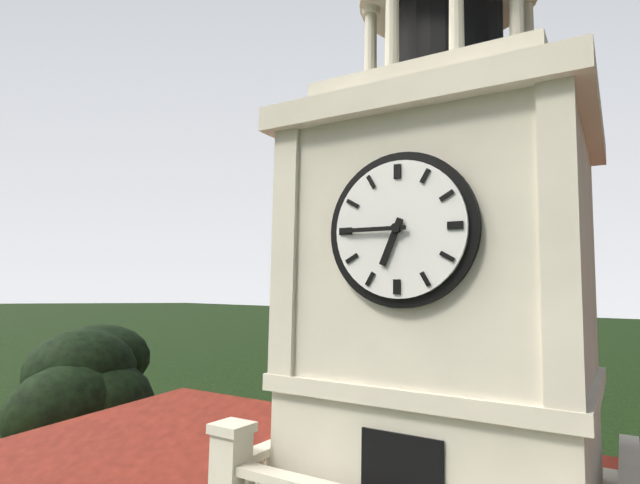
h=6 m=45
